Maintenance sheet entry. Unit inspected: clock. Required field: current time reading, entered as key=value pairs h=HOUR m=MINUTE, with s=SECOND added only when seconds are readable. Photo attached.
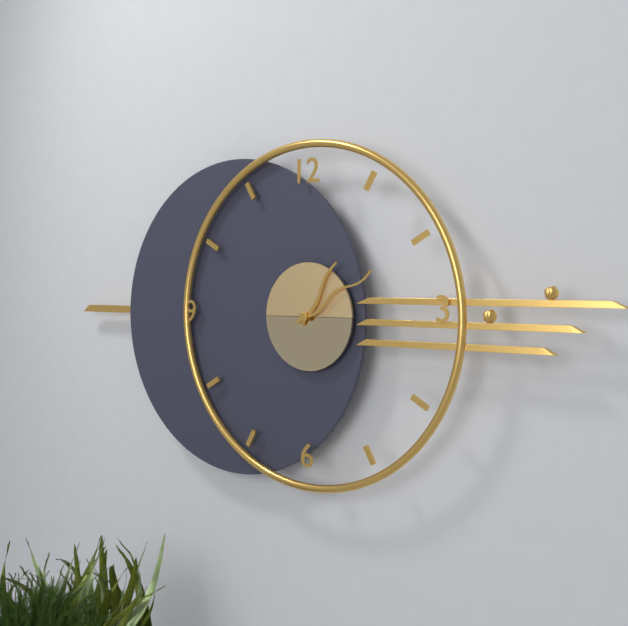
h=1 m=10
